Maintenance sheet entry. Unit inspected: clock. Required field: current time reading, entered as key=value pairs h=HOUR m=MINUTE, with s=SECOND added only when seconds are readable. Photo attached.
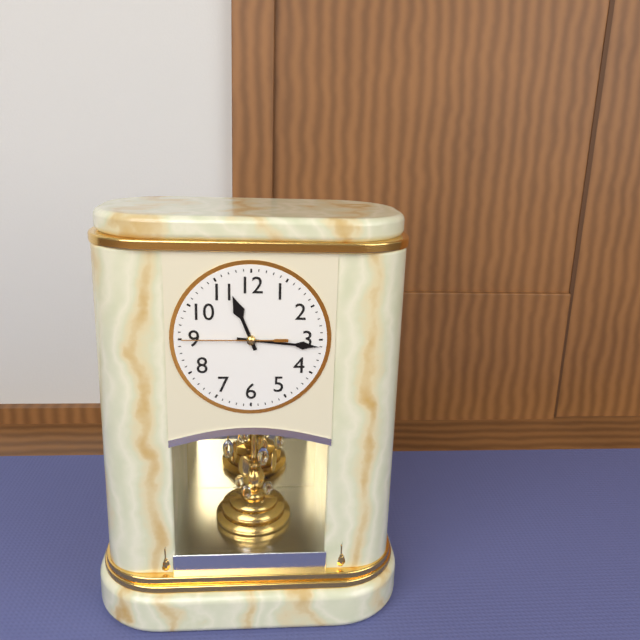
h=11 m=16 s=45
